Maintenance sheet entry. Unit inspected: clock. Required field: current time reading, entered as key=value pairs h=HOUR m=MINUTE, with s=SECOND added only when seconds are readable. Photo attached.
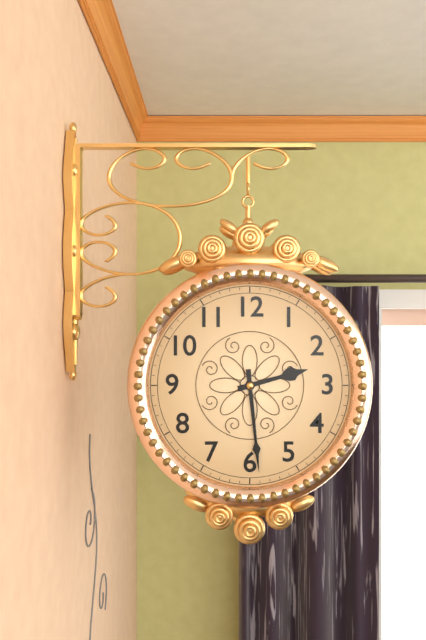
h=2 m=29
